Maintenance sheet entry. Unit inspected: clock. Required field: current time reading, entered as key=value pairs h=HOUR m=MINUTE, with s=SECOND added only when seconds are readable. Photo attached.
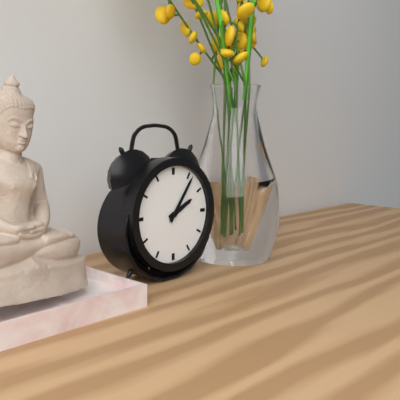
h=2 m=6
